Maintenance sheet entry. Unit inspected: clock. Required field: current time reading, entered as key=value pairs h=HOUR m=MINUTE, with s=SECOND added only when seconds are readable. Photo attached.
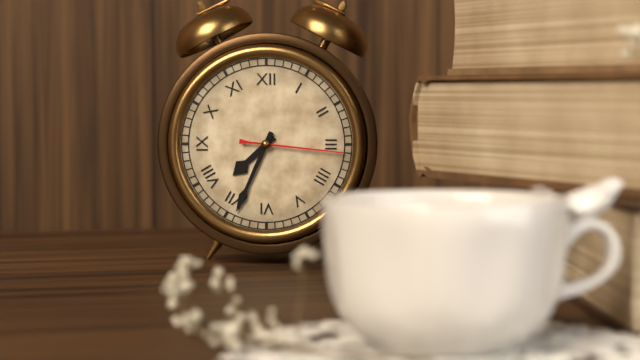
h=7 m=34 s=16
